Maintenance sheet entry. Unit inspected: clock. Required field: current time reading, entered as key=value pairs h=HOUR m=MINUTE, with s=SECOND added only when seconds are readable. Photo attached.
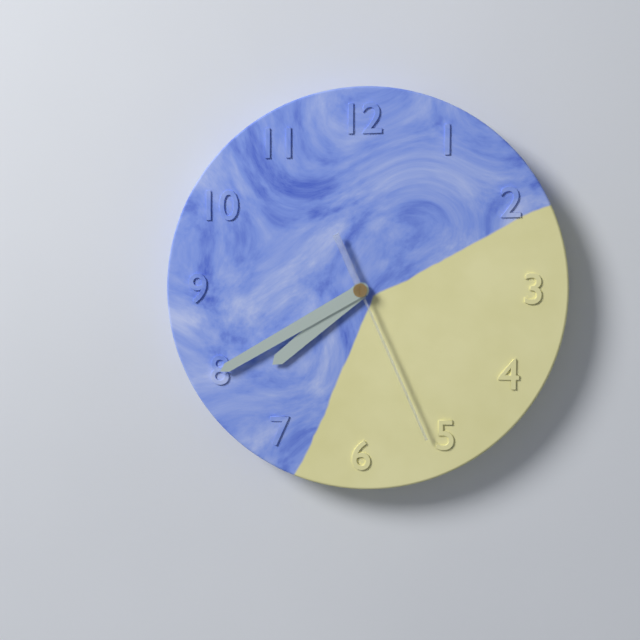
h=7 m=40 s=26
